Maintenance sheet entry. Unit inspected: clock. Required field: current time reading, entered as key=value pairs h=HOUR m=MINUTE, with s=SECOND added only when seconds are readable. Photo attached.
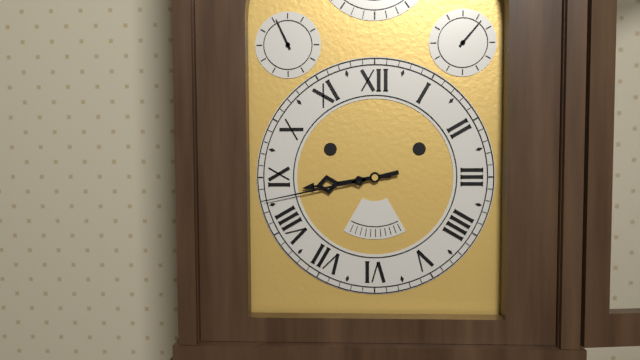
h=8 m=43
